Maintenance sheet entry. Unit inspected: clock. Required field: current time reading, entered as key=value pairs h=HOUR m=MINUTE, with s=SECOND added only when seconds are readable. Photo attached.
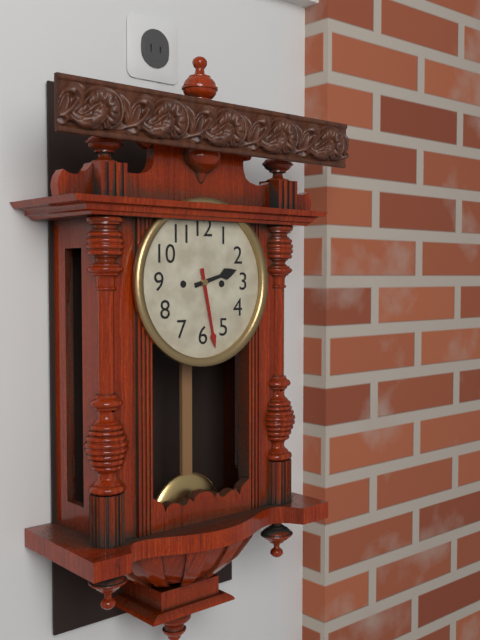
h=2 m=28
